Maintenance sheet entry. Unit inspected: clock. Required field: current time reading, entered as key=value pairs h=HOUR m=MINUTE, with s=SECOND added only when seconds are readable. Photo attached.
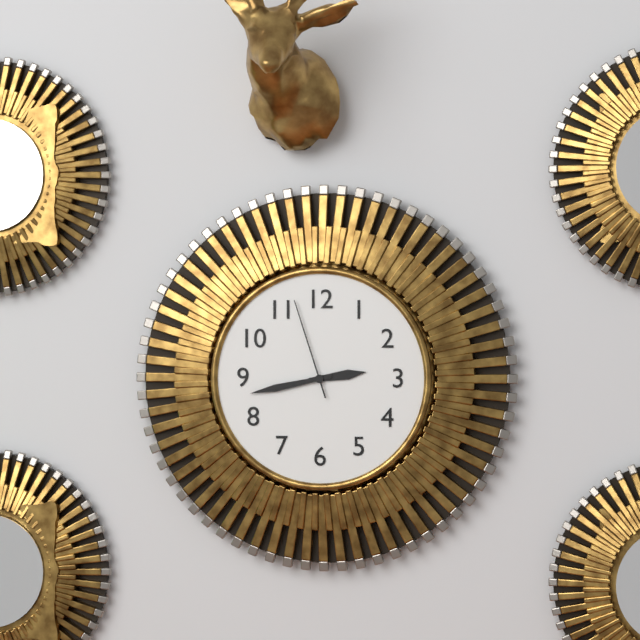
h=2 m=43 s=57
